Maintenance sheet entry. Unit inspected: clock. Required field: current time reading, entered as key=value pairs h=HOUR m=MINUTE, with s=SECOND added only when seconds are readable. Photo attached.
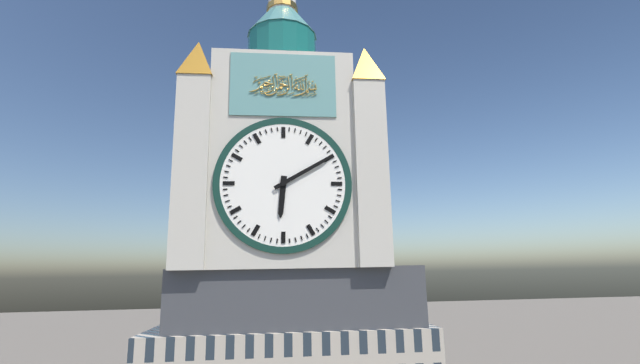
h=6 m=10
